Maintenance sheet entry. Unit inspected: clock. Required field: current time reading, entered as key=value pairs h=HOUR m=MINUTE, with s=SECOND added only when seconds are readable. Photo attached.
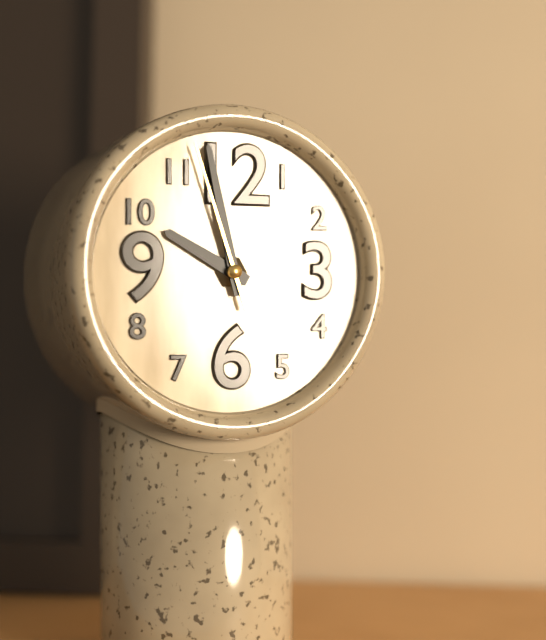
h=9 m=58 s=57
